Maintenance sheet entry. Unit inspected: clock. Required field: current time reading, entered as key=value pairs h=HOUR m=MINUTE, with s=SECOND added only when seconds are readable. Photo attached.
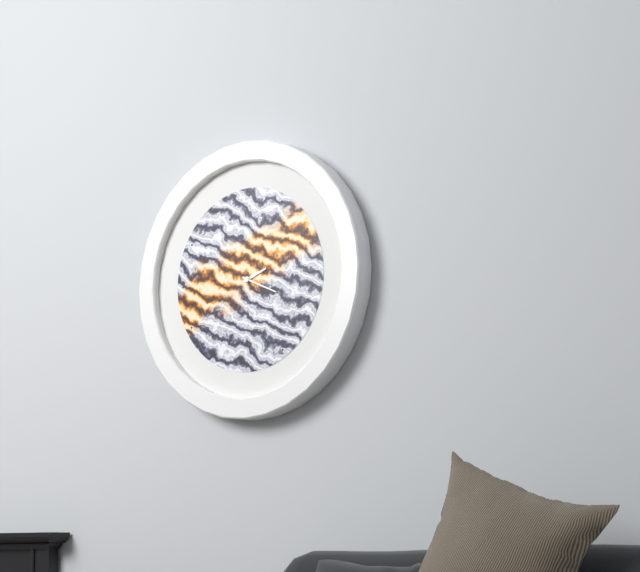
h=2 m=19
